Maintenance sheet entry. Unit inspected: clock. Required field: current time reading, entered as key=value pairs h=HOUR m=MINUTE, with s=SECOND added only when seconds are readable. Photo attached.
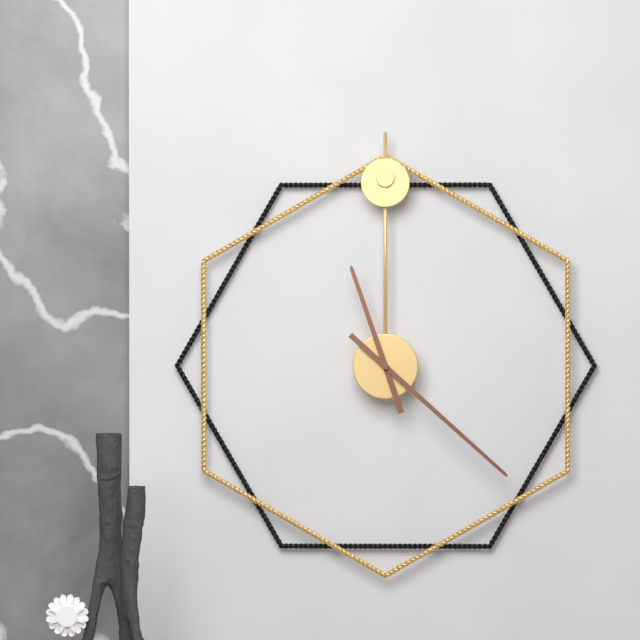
h=11 m=22
